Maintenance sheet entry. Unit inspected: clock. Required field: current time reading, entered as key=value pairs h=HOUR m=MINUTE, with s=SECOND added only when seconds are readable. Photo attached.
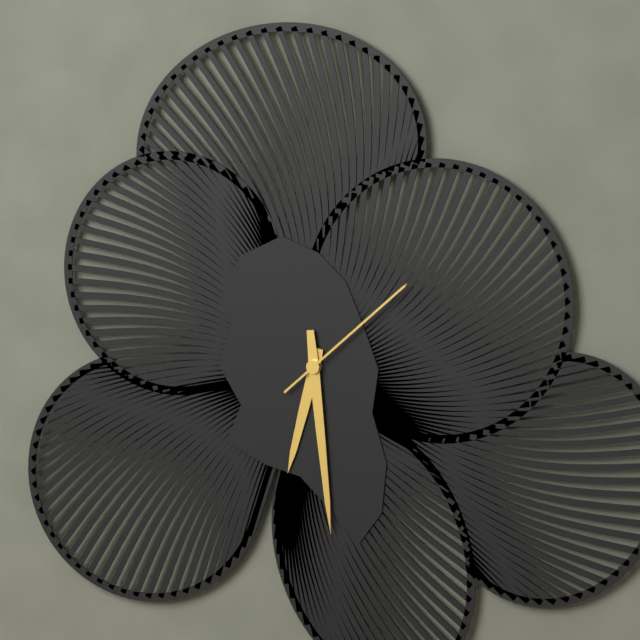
h=6 m=29 s=8
